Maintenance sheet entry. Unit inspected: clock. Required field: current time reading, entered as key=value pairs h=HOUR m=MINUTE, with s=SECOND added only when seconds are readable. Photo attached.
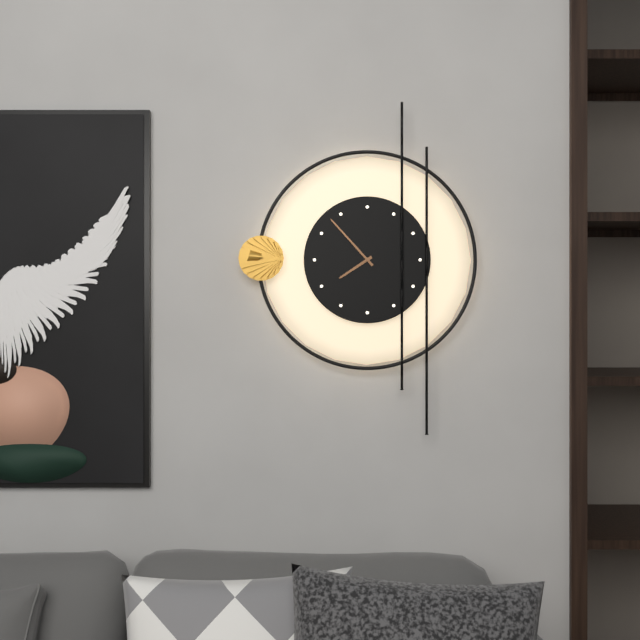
h=7 m=53
